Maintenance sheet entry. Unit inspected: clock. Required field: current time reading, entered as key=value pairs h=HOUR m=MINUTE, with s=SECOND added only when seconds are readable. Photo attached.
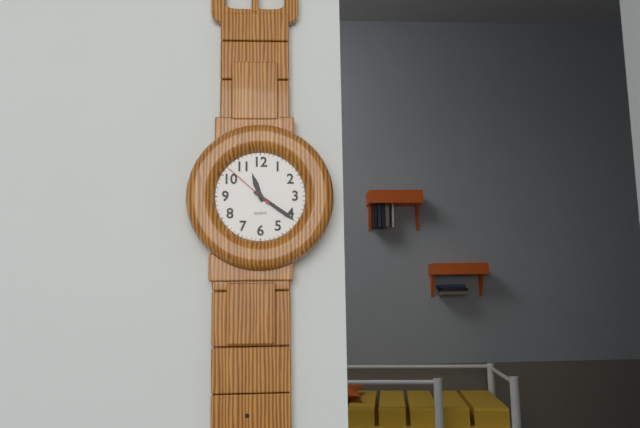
h=11 m=21 s=52
